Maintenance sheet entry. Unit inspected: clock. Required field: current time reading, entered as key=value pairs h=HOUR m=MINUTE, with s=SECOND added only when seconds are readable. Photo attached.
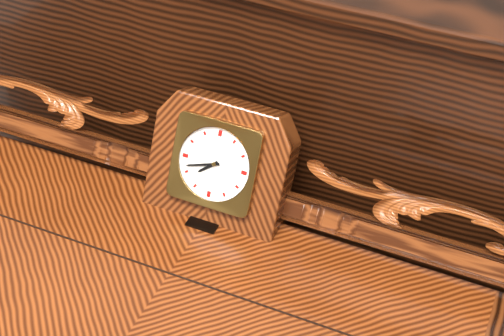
h=7 m=42
